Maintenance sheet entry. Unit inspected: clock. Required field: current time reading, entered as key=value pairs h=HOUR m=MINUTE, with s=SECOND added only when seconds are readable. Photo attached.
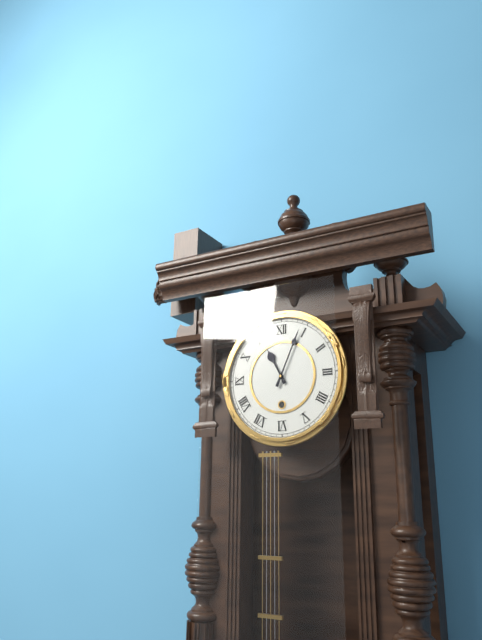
h=11 m=4
